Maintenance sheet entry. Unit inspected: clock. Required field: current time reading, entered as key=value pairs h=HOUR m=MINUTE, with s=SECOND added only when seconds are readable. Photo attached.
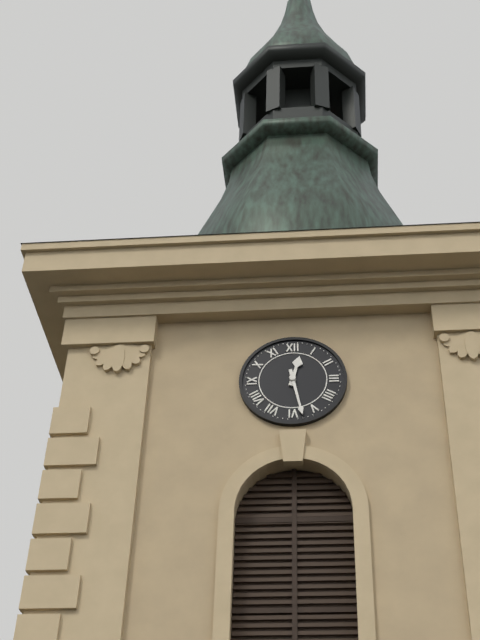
h=12 m=28
